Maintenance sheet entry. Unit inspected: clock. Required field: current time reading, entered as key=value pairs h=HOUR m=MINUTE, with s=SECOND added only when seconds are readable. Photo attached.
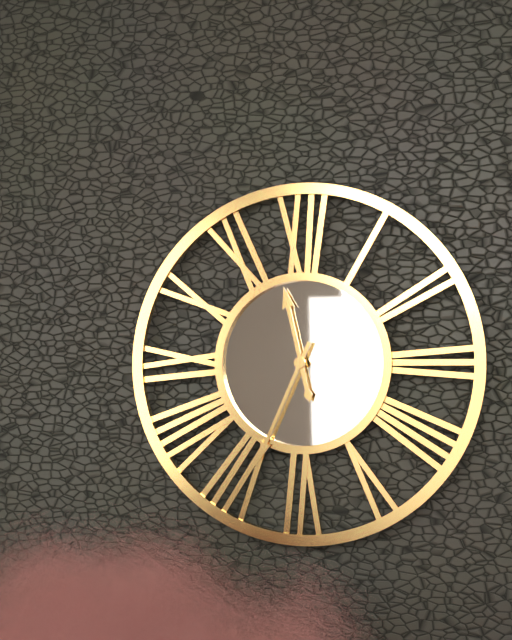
h=11 m=34
